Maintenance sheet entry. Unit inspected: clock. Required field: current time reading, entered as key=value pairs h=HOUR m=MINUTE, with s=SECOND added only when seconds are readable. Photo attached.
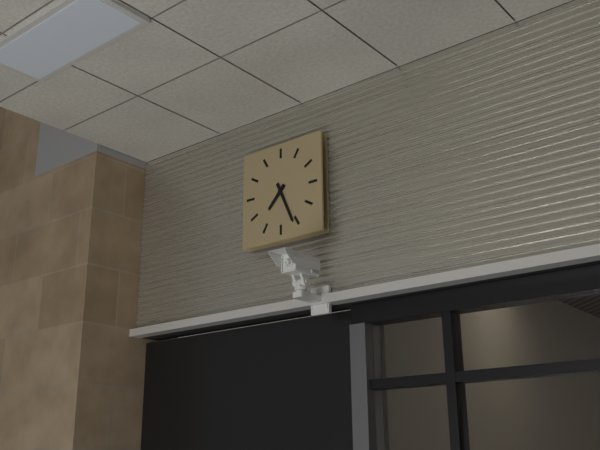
h=7 m=26
